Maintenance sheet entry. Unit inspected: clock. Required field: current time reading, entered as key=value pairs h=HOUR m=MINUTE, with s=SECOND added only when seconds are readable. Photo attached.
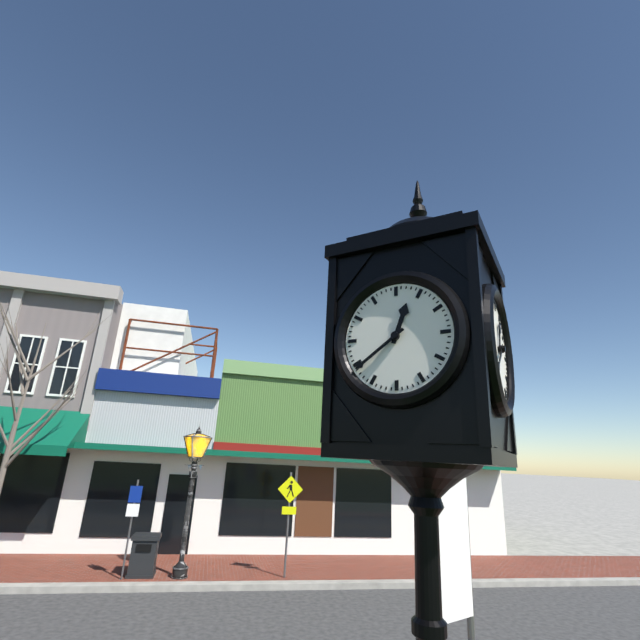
h=12 m=39
